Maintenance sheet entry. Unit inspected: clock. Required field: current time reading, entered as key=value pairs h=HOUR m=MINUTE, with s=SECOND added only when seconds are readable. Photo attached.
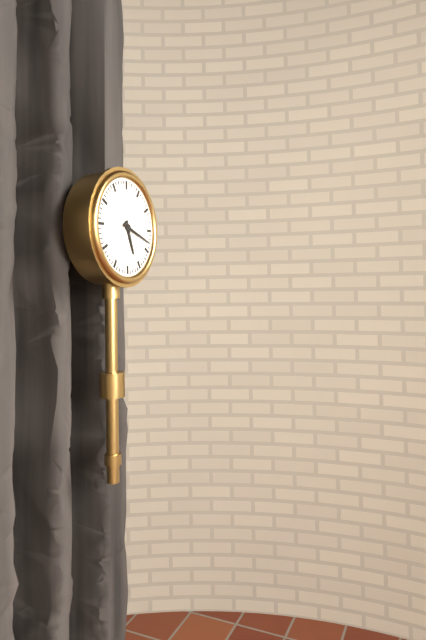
h=5 m=18
